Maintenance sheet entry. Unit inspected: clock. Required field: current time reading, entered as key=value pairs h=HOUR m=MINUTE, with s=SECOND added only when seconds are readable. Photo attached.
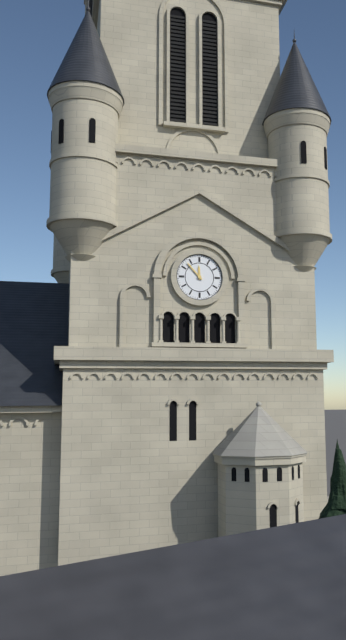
h=11 m=53
